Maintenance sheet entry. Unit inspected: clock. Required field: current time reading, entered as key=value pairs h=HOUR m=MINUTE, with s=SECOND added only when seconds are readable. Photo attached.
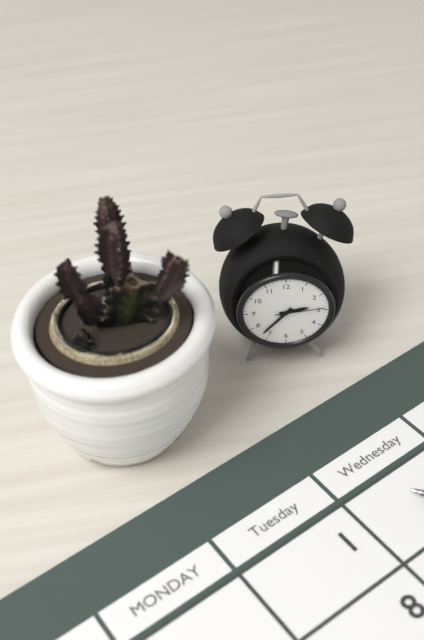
h=2 m=37
